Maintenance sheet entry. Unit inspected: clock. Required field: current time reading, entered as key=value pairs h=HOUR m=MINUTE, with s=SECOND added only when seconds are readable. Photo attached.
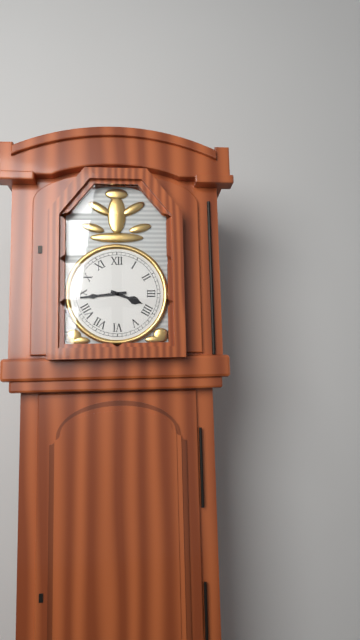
h=3 m=44
